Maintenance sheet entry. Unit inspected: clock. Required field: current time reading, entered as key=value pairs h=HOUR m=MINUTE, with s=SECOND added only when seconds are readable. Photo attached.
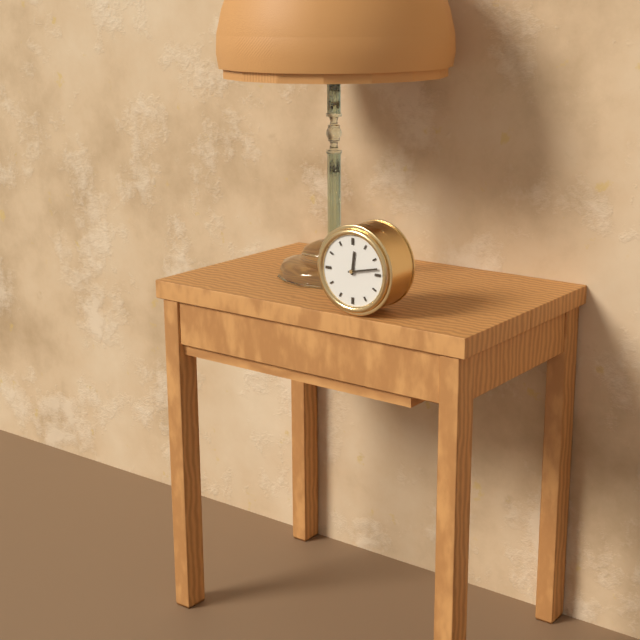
h=12 m=13
